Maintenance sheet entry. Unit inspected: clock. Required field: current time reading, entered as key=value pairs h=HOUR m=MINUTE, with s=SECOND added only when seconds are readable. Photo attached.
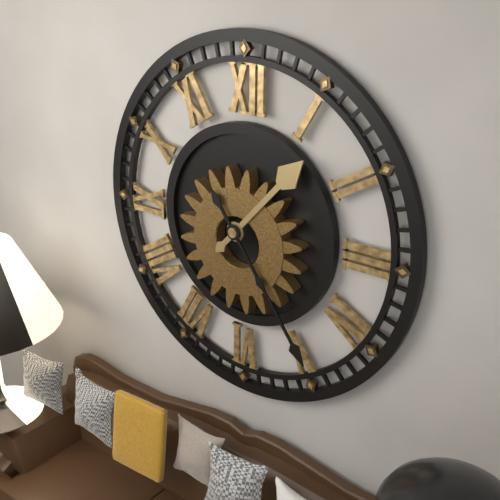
h=1 m=24
